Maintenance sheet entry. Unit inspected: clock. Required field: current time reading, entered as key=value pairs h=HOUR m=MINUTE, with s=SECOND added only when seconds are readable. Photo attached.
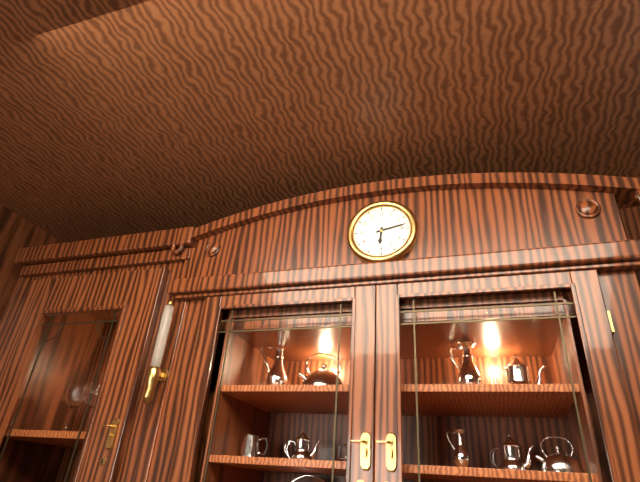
h=6 m=13
